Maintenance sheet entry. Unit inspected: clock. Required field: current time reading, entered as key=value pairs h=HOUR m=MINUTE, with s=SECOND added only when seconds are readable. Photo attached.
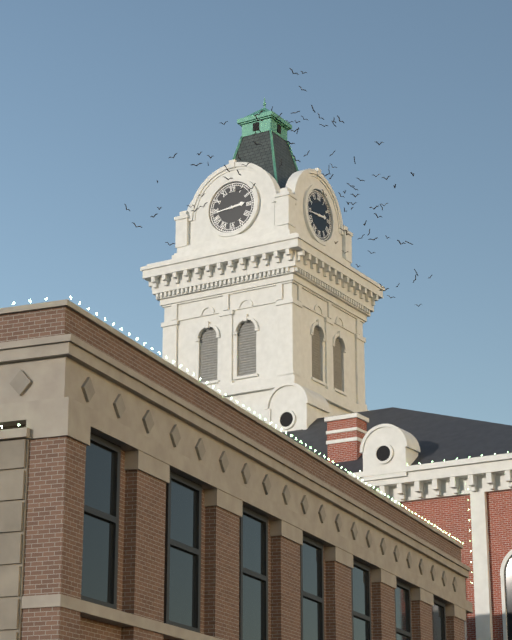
h=2 m=44
